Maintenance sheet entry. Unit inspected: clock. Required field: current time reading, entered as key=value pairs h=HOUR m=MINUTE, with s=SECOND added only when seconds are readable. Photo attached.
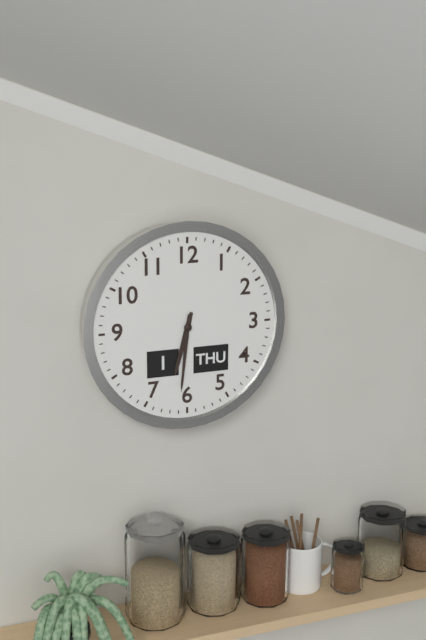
h=6 m=31
